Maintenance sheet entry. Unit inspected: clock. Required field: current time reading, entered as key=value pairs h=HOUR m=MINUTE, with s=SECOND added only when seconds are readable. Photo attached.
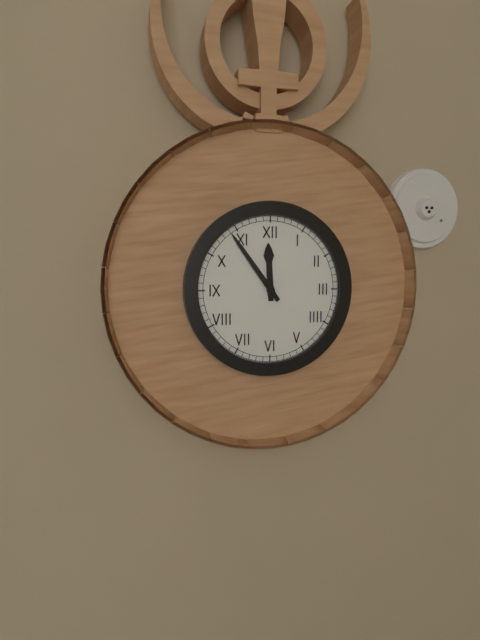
h=11 m=54
